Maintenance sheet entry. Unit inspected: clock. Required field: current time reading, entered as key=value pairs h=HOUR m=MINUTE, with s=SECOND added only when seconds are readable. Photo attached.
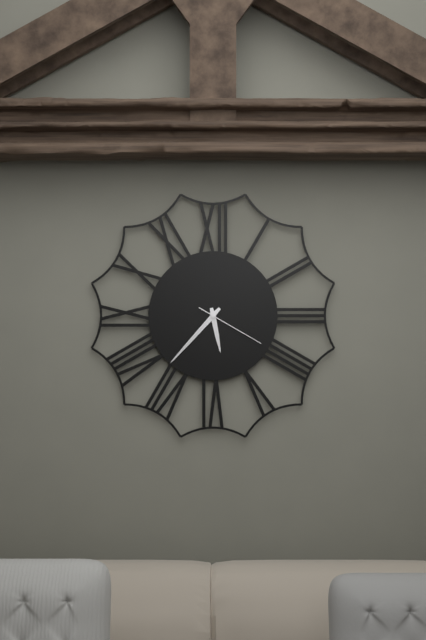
h=5 m=37 s=20
